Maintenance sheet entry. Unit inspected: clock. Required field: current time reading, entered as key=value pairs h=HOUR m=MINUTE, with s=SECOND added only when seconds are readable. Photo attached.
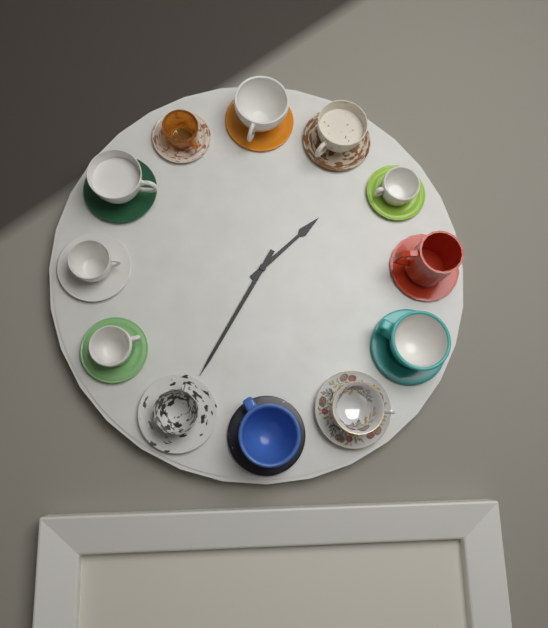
h=1 m=35
